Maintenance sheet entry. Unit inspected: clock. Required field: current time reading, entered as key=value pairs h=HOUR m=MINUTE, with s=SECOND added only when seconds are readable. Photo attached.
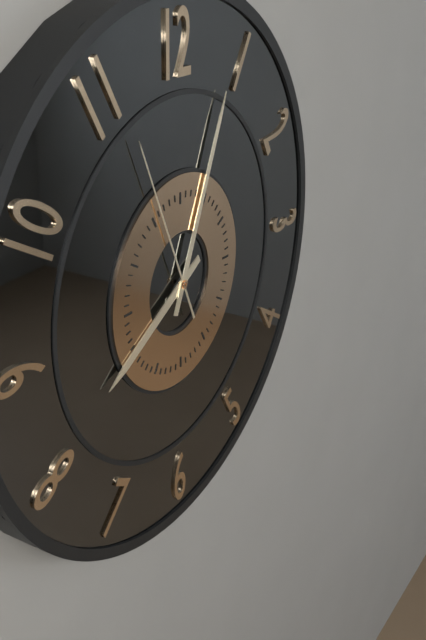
h=8 m=4 s=56
